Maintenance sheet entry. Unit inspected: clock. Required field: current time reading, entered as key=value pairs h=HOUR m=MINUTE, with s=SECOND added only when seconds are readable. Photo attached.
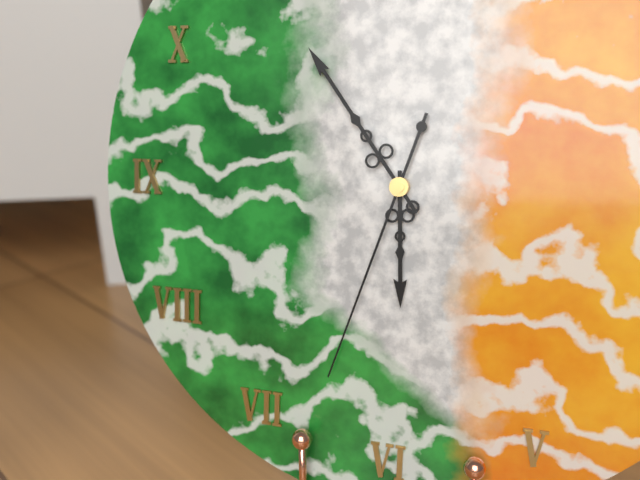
h=5 m=54 s=33
